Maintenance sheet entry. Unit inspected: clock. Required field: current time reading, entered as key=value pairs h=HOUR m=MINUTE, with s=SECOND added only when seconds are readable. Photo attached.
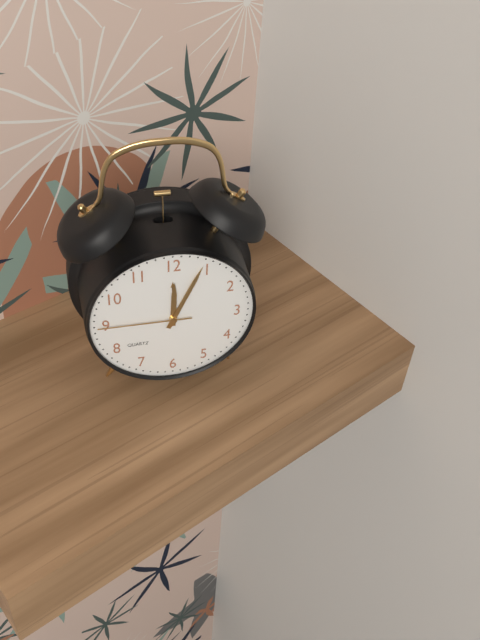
h=12 m=4 s=45
